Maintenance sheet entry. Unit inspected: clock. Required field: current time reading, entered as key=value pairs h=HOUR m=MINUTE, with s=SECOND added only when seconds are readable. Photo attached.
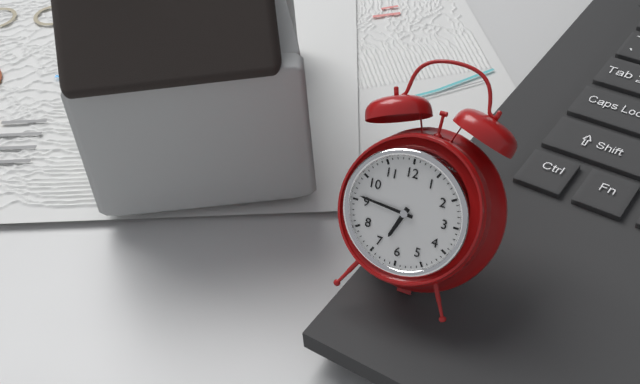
h=6 m=46
